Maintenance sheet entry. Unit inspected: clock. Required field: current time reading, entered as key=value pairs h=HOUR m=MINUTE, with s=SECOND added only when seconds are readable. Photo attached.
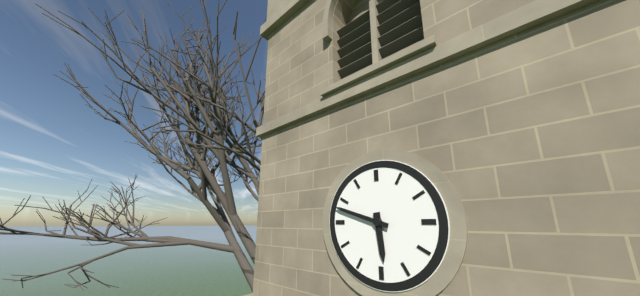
h=5 m=48
